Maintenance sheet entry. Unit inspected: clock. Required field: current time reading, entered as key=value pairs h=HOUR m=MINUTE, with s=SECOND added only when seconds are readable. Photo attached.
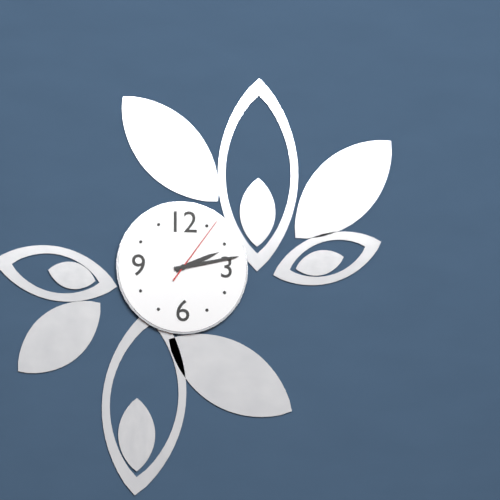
h=2 m=13 s=6
